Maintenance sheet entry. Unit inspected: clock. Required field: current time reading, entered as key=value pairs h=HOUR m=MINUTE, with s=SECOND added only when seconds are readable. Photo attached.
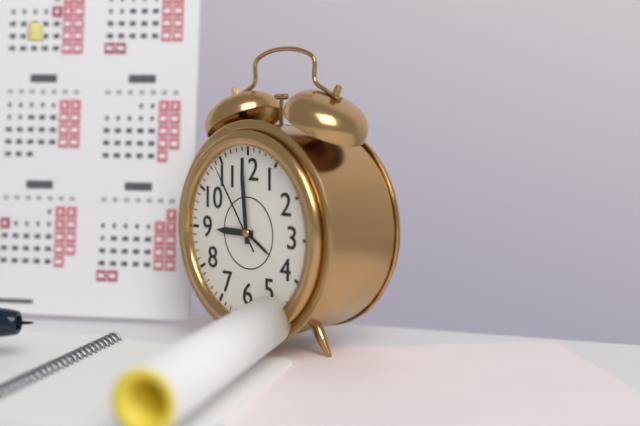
h=8 m=59 s=54
